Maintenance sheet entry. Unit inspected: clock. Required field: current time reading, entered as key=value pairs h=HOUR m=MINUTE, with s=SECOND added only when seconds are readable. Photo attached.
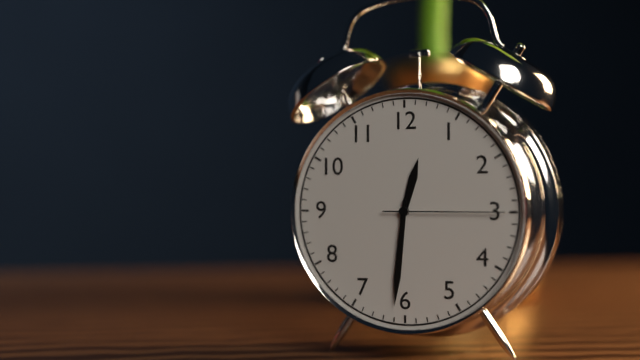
h=12 m=31 s=15
